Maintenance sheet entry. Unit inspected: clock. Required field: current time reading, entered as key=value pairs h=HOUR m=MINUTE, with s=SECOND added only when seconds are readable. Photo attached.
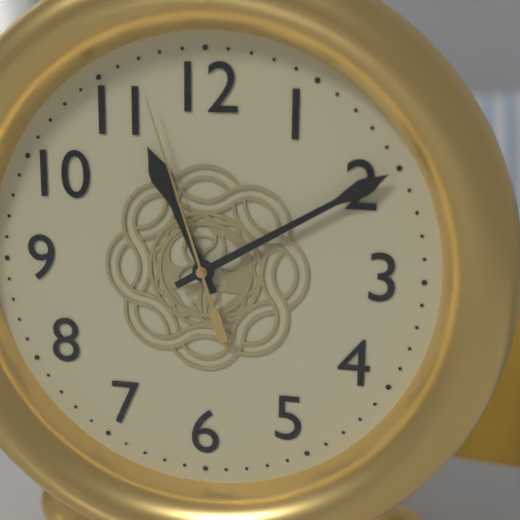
h=11 m=10 s=57
